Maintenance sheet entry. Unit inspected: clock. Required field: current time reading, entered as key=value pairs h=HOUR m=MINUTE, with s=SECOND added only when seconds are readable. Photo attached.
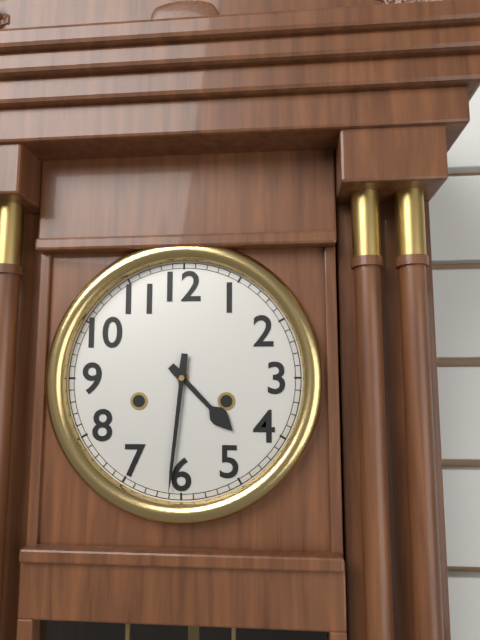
h=4 m=31
